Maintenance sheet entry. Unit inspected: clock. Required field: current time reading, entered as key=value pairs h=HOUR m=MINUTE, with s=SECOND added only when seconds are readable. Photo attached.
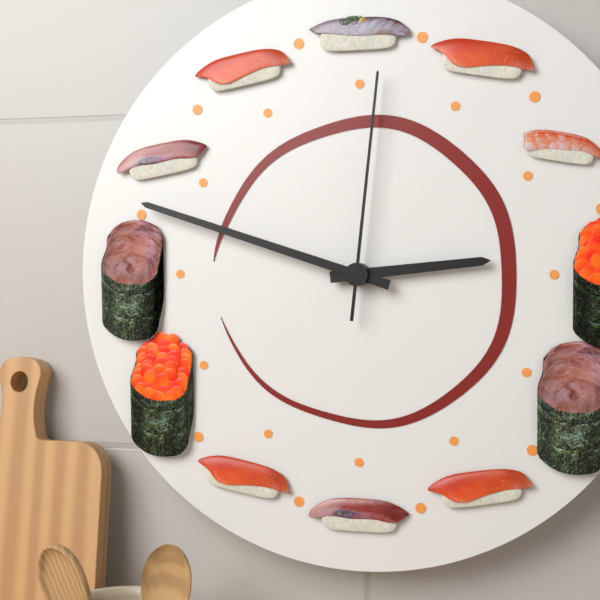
h=2 m=48 s=1
